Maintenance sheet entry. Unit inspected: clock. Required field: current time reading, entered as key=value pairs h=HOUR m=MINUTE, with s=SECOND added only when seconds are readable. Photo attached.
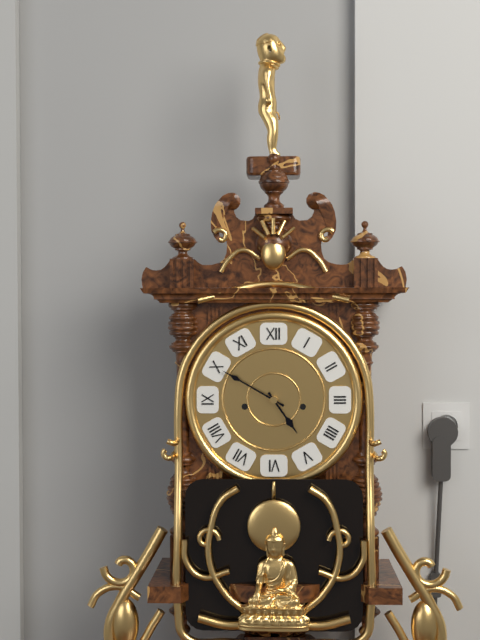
h=4 m=50
